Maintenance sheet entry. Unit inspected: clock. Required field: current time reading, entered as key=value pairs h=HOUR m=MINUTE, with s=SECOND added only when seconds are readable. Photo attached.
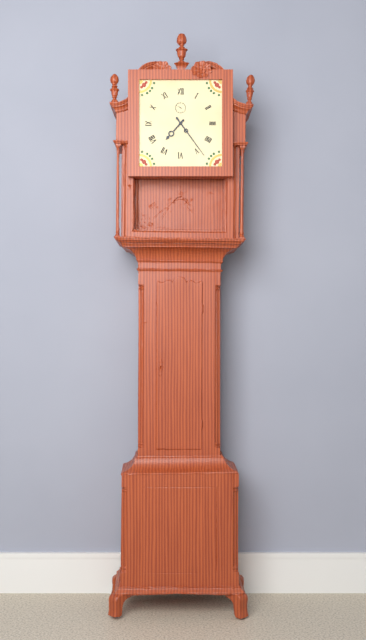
h=7 m=24
